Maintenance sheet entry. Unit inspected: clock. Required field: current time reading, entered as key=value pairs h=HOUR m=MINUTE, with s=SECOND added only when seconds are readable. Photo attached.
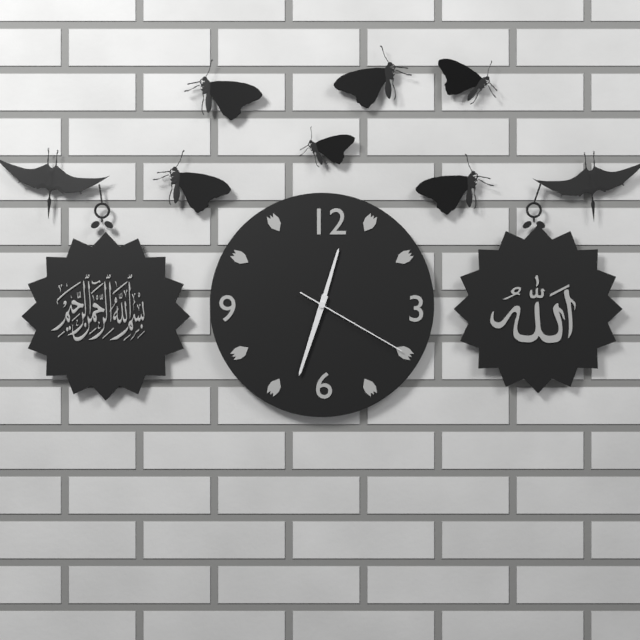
h=12 m=33 s=20
